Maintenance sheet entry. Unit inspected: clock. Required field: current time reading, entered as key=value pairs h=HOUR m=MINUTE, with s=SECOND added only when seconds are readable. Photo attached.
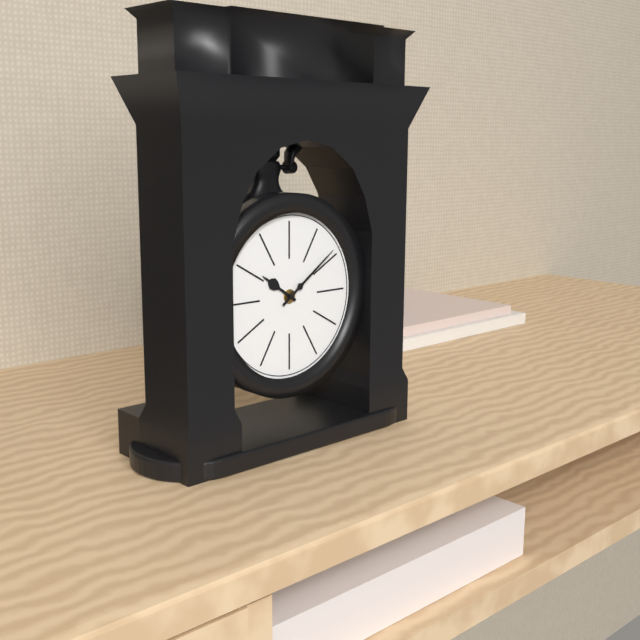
h=10 m=9
